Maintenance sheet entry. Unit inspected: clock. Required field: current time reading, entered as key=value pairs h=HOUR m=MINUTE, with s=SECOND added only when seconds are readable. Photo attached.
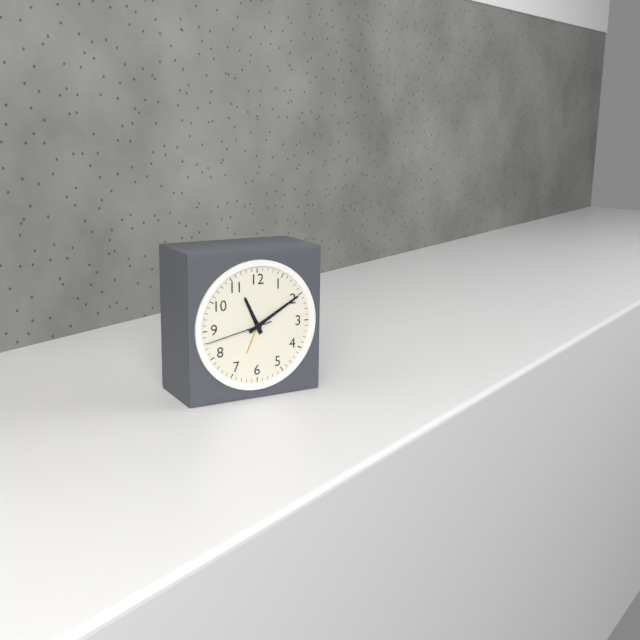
h=11 m=10 s=43
